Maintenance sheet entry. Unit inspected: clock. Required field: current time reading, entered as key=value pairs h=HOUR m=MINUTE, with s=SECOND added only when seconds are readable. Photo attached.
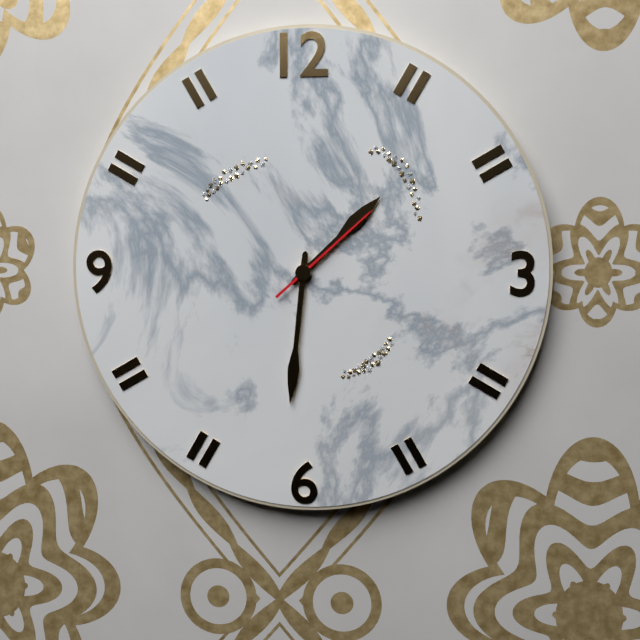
h=1 m=31 s=8
